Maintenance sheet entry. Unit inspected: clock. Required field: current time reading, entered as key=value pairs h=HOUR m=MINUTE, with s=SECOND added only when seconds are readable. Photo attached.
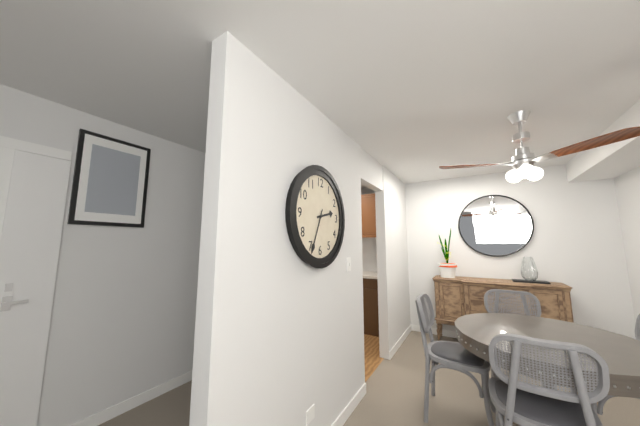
h=2 m=34
